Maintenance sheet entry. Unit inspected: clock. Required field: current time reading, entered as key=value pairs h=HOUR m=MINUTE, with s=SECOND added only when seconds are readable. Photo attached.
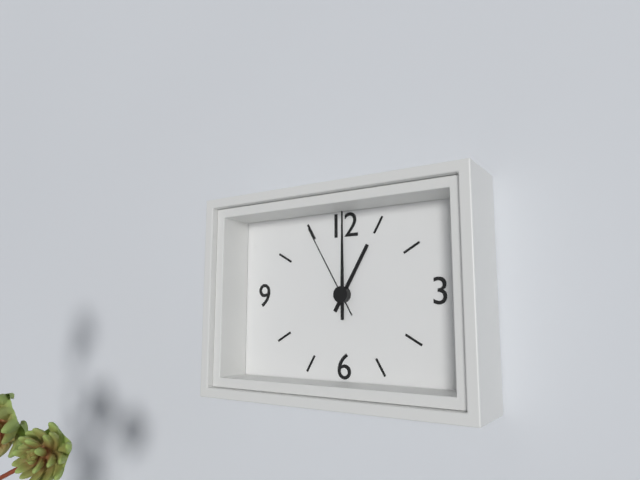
h=1 m=0 s=55
